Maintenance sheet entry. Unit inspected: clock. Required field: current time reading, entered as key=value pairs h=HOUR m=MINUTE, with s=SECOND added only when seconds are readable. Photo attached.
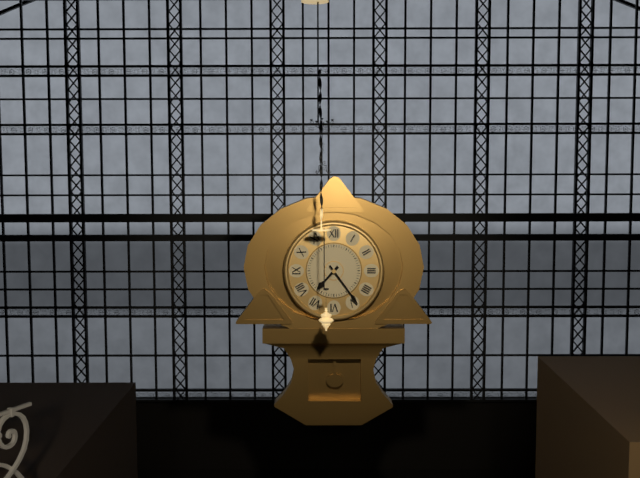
h=7 m=24
